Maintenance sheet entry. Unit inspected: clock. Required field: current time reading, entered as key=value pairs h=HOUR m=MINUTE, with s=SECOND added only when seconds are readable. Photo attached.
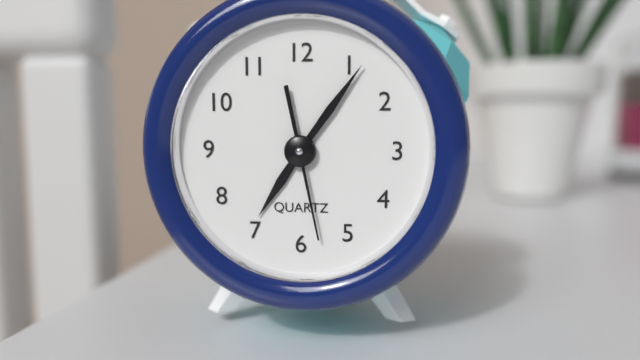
h=7 m=6 s=28
